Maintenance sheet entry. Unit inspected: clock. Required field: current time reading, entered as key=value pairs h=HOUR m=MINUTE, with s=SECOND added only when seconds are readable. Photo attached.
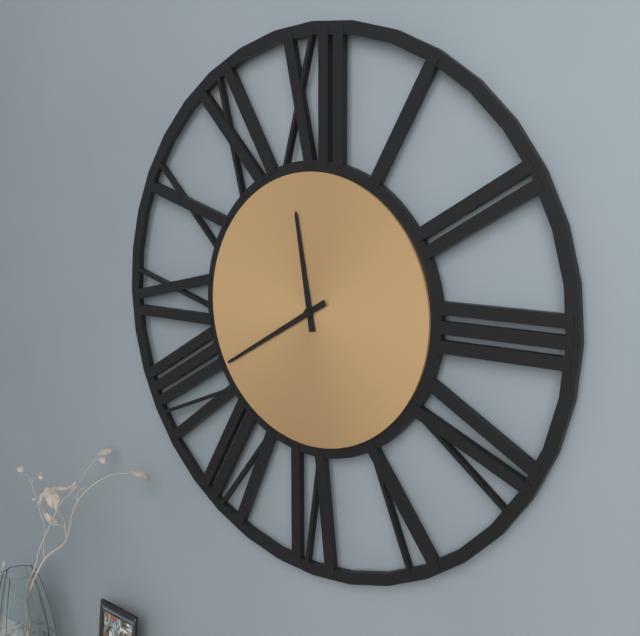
h=11 m=40
